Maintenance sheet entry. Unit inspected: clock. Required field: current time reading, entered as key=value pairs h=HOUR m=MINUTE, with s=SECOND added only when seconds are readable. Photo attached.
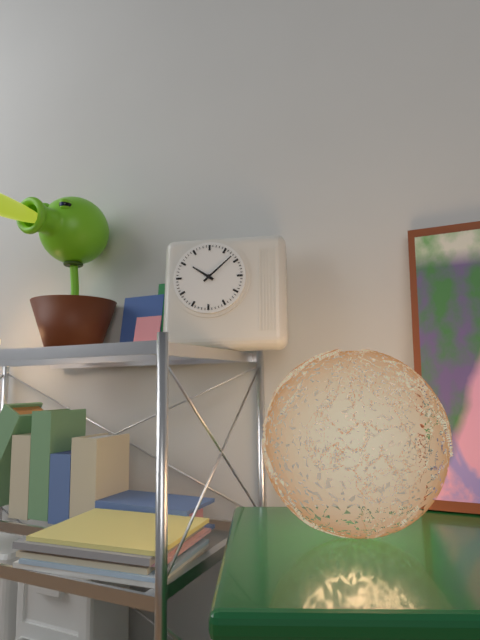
h=10 m=8
